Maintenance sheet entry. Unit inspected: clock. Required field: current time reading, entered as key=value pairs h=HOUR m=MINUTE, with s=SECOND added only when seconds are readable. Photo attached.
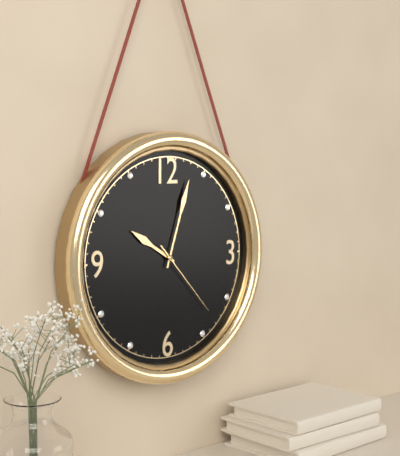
h=10 m=3 s=23
